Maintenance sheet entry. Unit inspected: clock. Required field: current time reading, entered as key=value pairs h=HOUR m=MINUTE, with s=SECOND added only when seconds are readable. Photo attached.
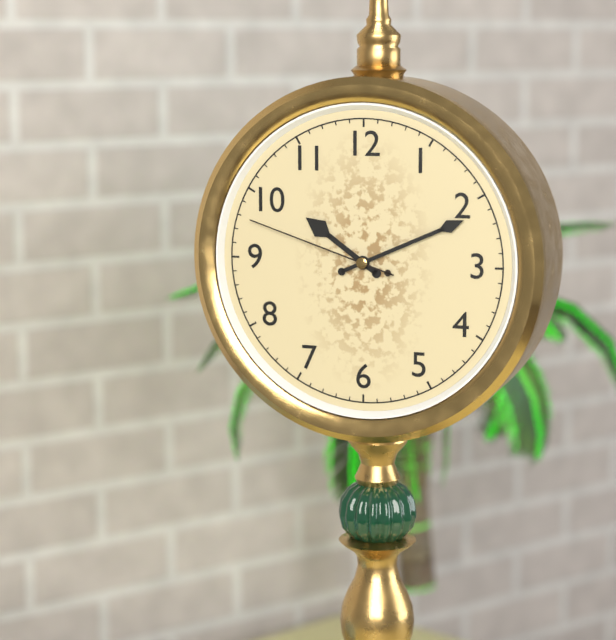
h=10 m=11 s=48
